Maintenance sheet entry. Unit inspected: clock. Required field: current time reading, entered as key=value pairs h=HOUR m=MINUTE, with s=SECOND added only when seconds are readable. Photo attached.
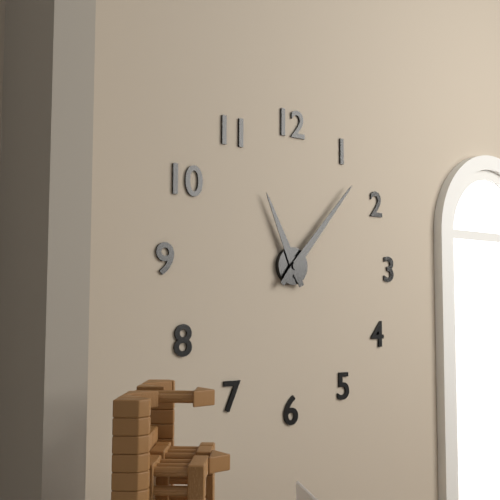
h=11 m=7
